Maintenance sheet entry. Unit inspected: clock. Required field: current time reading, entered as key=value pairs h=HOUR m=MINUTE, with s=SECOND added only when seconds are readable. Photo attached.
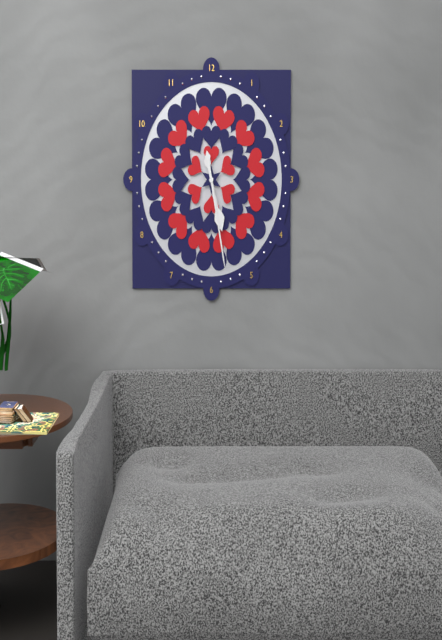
h=5 m=28
